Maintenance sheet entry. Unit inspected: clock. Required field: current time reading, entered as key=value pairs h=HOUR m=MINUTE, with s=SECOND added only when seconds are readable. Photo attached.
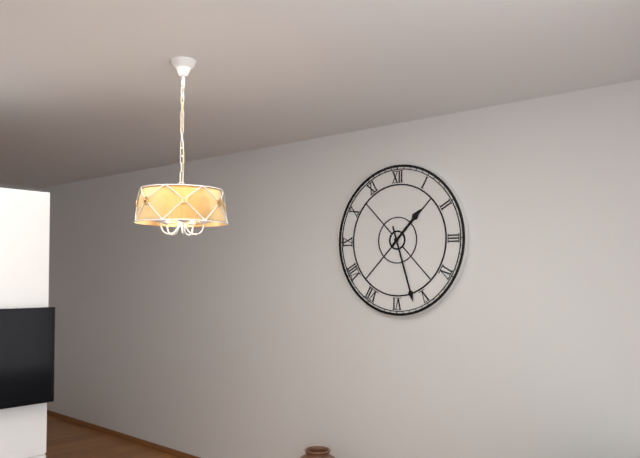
h=1 m=27
